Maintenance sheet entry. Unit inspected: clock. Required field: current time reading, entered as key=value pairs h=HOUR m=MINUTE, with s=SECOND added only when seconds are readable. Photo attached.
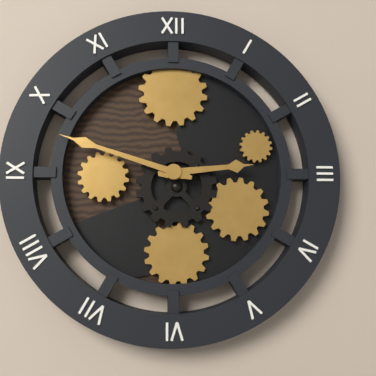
h=2 m=48
